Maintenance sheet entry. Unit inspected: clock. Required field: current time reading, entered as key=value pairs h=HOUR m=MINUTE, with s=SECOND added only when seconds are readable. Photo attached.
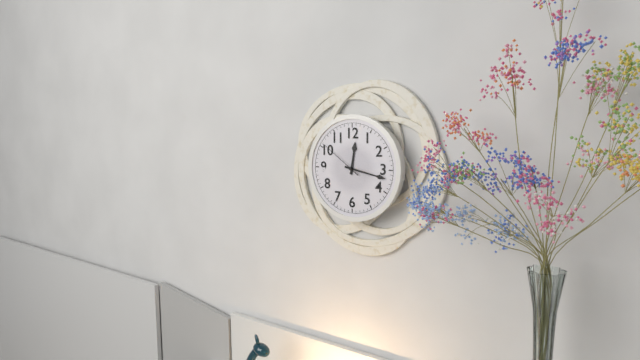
h=12 m=17 s=51
